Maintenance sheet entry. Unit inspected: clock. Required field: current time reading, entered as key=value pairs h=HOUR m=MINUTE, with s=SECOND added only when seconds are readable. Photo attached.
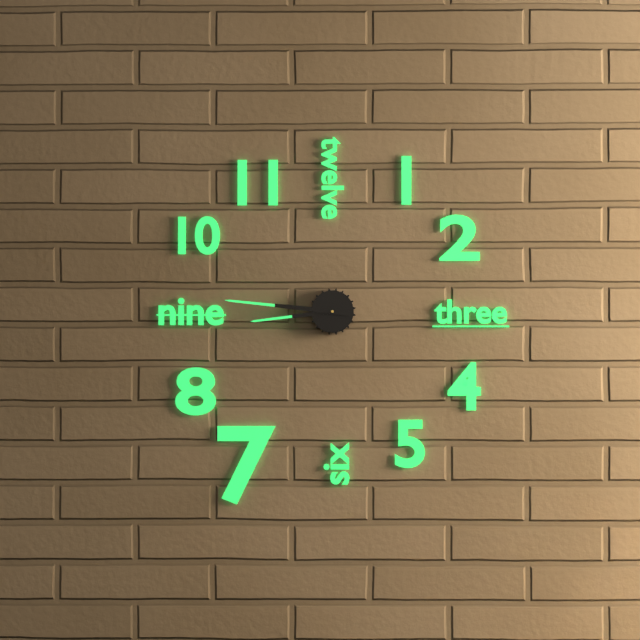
h=8 m=46
